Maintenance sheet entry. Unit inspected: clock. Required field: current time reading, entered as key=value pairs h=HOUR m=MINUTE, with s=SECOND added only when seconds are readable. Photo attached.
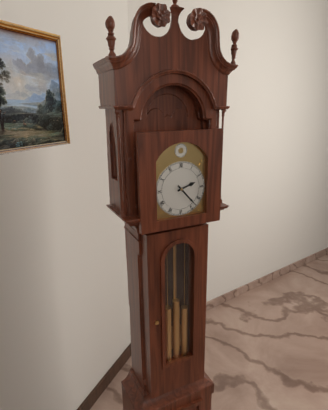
h=2 m=23
